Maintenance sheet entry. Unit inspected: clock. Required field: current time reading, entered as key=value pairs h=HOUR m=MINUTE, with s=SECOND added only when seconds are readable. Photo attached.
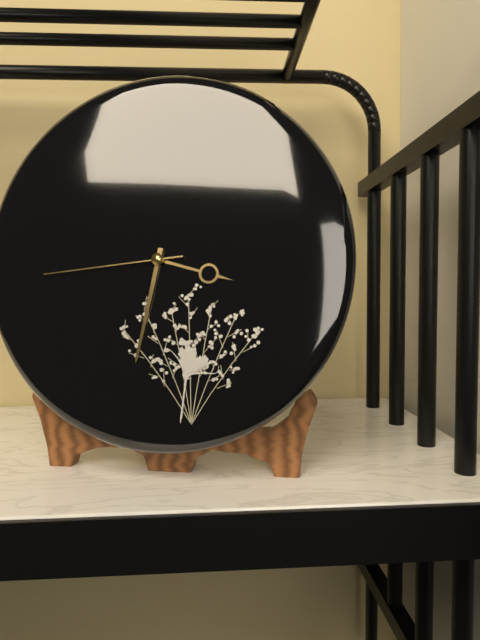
h=3 m=32 s=44
